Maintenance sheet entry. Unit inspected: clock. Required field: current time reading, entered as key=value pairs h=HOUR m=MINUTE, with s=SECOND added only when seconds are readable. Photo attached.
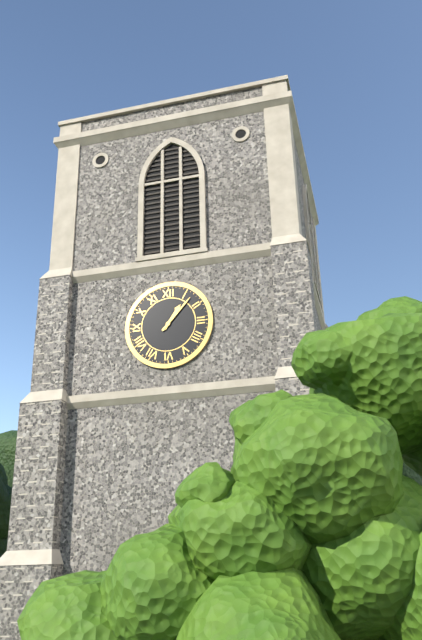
h=1 m=7
